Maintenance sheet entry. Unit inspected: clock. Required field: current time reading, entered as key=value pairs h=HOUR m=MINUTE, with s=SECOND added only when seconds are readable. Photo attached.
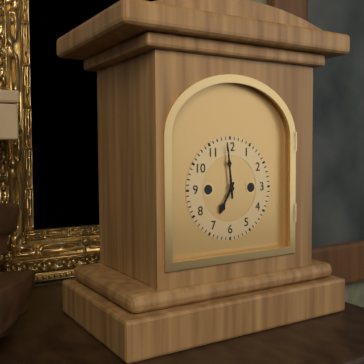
h=6 m=59
